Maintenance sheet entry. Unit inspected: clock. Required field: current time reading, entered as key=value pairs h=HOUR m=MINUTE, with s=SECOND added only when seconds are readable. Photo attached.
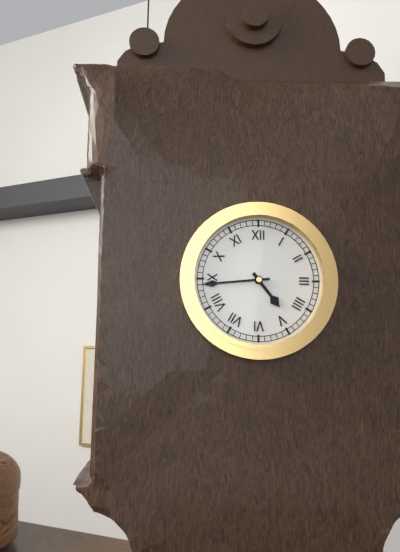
h=4 m=44
